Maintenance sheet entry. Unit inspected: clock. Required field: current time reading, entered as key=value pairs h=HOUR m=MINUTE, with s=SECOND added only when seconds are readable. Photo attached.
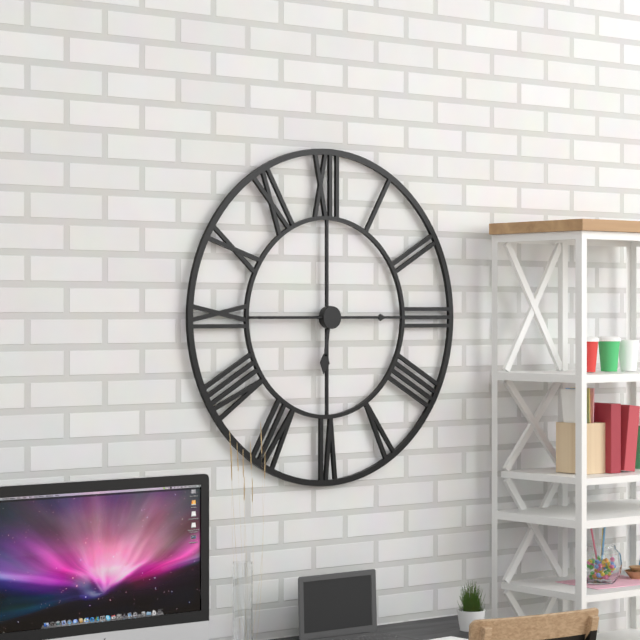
h=6 m=15 s=45
